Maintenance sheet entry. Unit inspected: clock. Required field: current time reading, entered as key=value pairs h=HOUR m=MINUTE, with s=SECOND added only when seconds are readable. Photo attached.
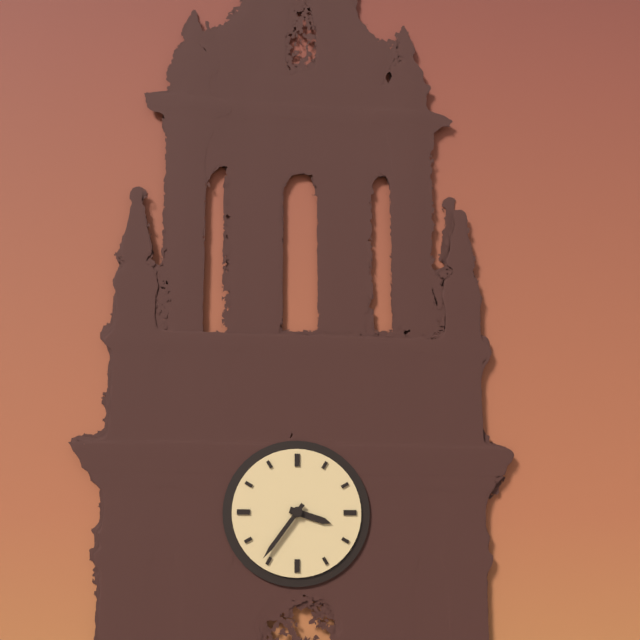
h=3 m=36
